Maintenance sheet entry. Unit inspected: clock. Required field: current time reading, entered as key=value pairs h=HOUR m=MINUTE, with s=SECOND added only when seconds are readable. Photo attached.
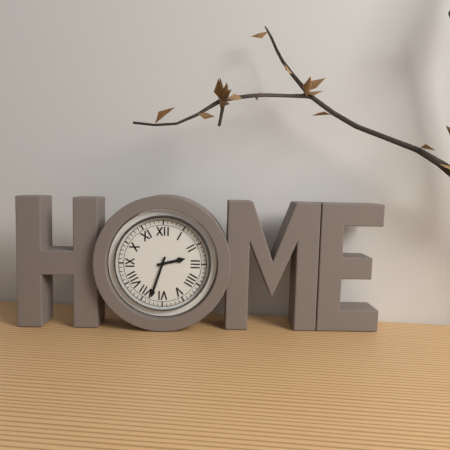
h=2 m=33
